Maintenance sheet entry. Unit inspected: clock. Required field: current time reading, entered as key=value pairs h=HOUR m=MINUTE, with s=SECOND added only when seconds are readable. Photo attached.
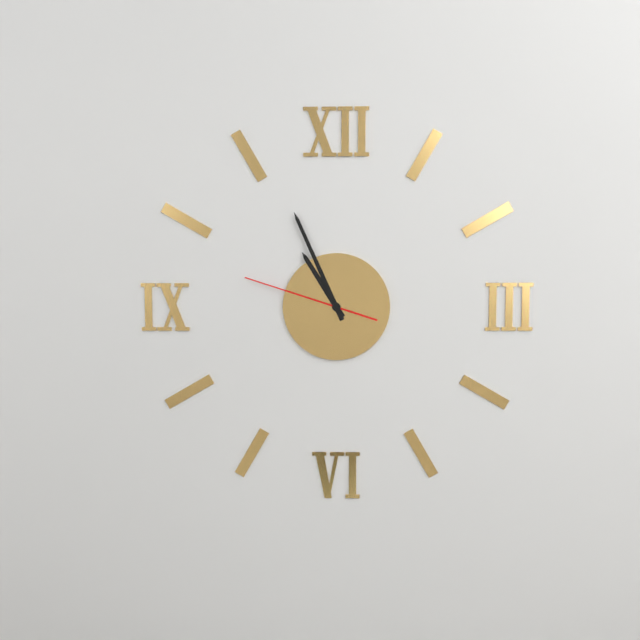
h=10 m=56 s=48
